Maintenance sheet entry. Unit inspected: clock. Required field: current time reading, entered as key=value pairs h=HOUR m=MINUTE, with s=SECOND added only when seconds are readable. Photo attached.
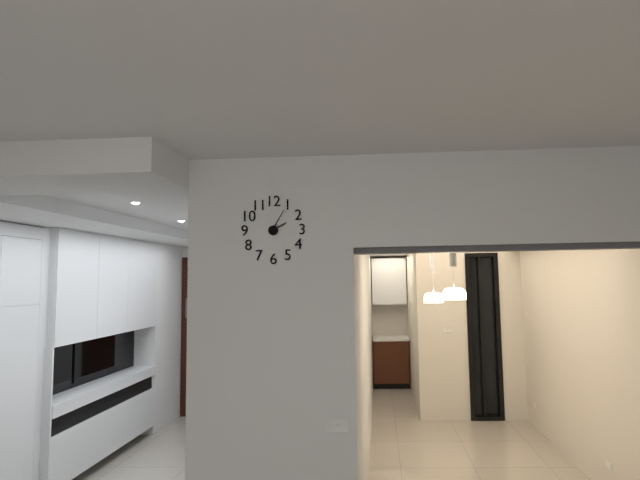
h=2 m=5
